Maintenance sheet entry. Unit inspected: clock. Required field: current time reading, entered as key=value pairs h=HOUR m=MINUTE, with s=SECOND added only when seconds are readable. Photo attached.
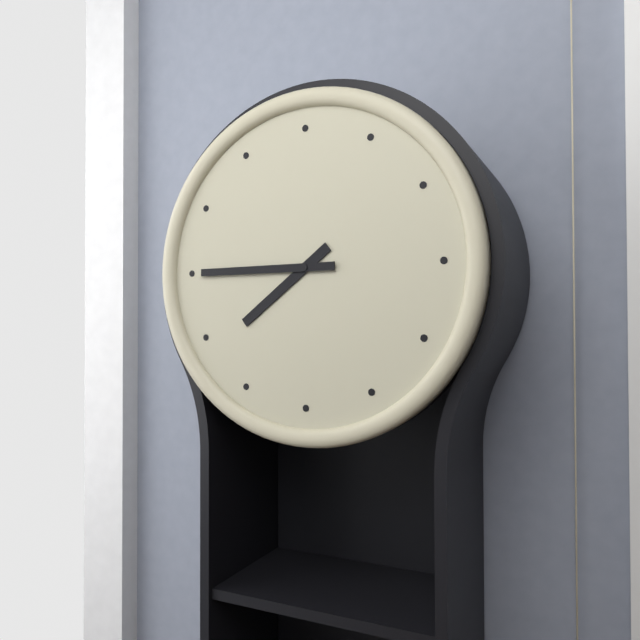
h=7 m=45
